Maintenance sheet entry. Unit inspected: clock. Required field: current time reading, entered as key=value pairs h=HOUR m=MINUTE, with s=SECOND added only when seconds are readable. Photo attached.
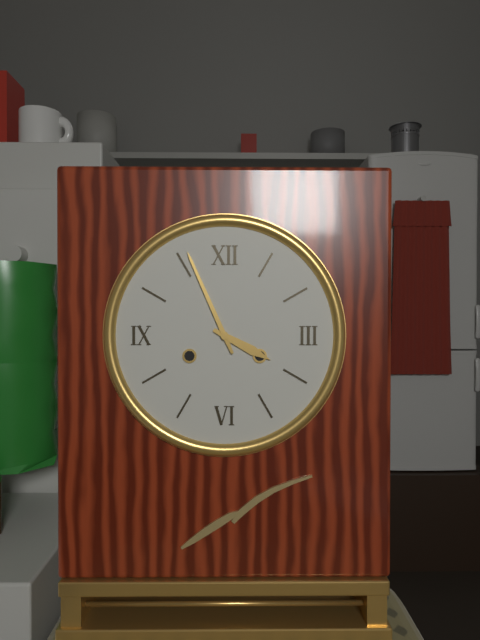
h=3 m=56
